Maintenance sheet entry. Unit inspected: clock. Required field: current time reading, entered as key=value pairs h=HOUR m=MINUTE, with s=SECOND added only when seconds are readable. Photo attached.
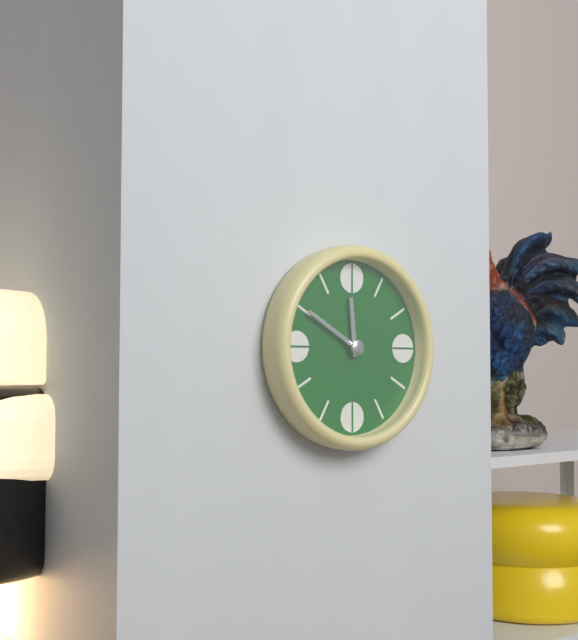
h=11 m=50
